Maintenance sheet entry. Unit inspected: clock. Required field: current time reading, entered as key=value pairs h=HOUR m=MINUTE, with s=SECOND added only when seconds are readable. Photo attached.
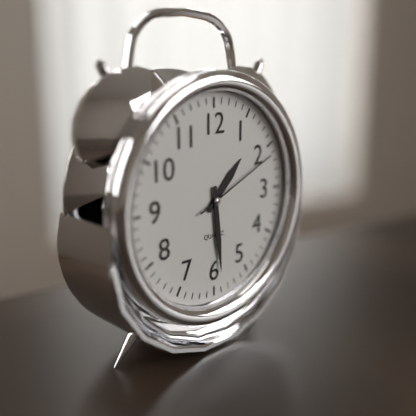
h=1 m=29 s=11
